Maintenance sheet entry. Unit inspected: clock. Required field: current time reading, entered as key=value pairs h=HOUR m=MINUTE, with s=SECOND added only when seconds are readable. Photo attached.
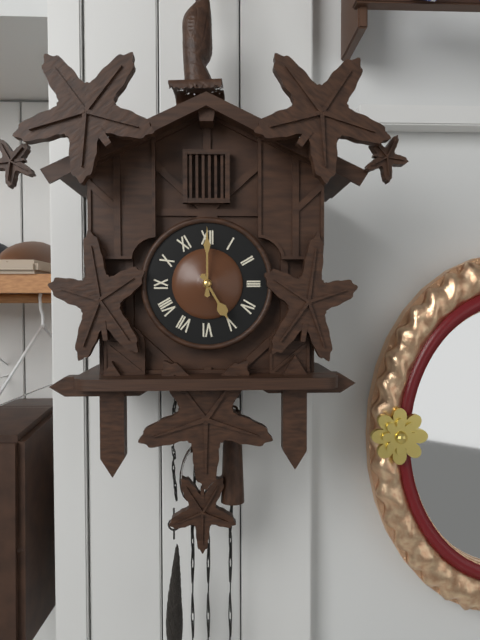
h=5 m=0
